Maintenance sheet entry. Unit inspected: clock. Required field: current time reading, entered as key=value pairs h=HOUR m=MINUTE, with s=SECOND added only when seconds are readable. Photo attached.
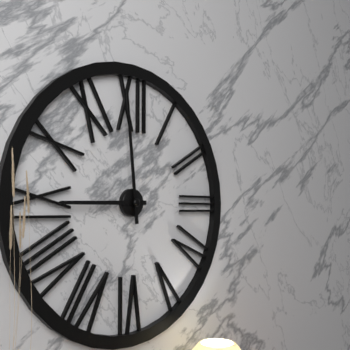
h=8 m=59
